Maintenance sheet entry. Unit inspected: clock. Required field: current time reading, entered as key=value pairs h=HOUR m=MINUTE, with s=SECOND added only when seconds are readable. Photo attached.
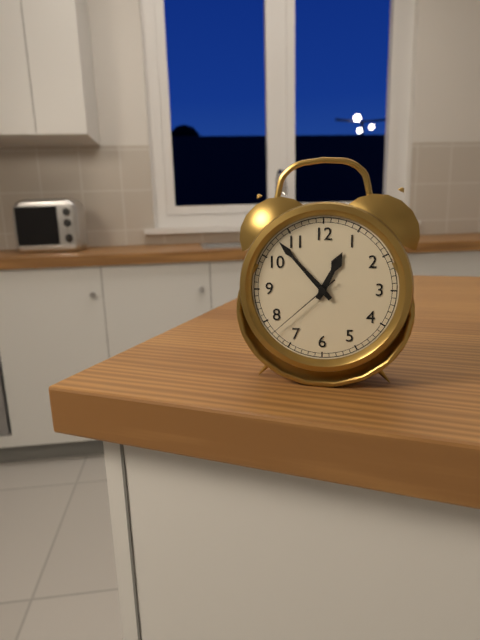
h=12 m=53 s=38
